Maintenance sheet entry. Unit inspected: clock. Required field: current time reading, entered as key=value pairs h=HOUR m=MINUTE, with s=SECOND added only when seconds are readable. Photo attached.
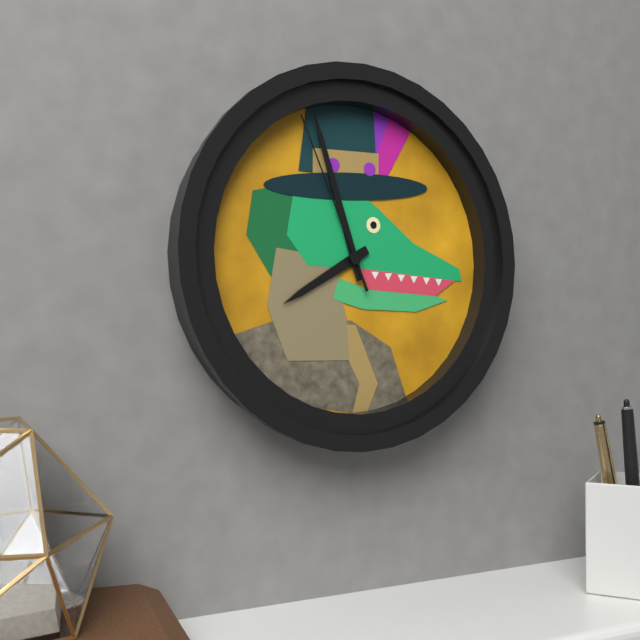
h=7 m=57 s=56
